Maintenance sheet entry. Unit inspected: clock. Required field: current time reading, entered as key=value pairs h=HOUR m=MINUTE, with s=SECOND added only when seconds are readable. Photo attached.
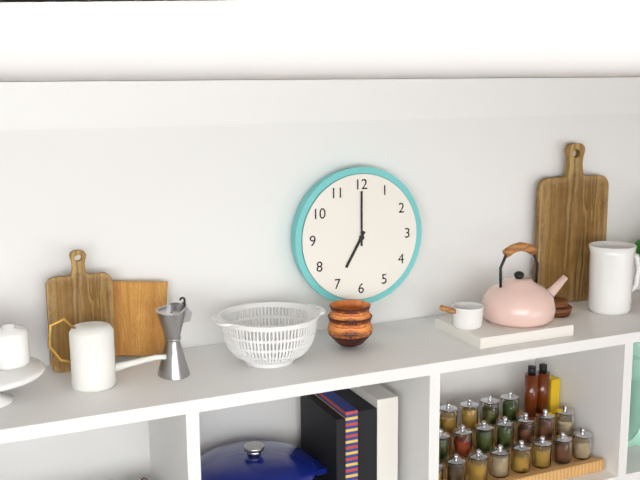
h=7 m=0
